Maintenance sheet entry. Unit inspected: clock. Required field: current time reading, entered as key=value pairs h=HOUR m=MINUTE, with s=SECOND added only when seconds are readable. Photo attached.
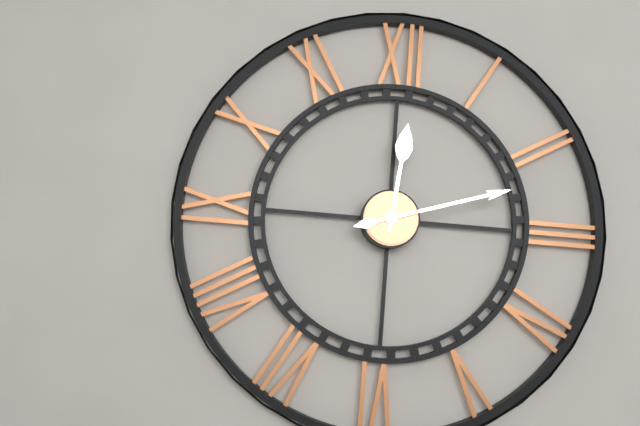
h=12 m=12
